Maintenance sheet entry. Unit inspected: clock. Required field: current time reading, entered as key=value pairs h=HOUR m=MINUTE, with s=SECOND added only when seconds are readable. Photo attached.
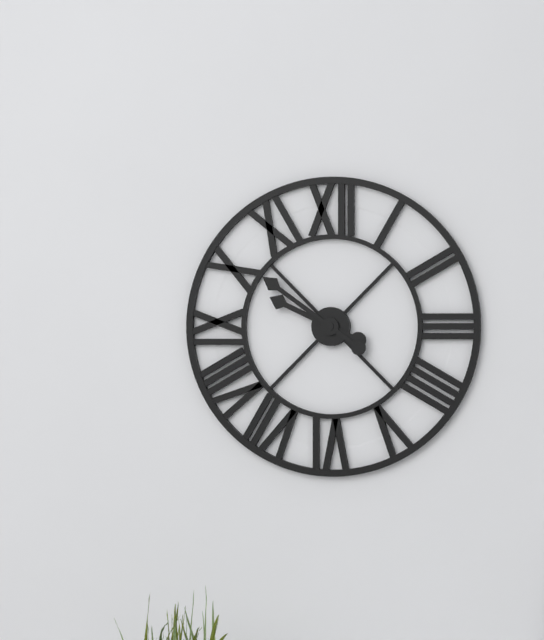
h=9 m=51
